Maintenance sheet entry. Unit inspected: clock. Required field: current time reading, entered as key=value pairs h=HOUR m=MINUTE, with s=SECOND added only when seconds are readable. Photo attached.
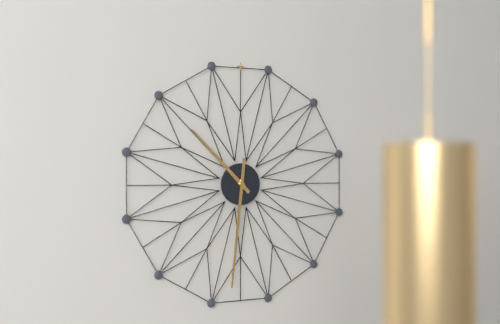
h=10 m=31
